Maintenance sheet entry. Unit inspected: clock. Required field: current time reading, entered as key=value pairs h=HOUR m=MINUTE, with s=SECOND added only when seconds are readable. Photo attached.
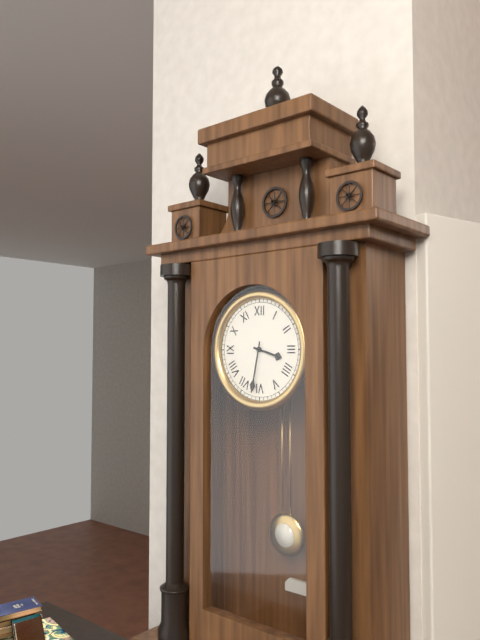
h=3 m=32
